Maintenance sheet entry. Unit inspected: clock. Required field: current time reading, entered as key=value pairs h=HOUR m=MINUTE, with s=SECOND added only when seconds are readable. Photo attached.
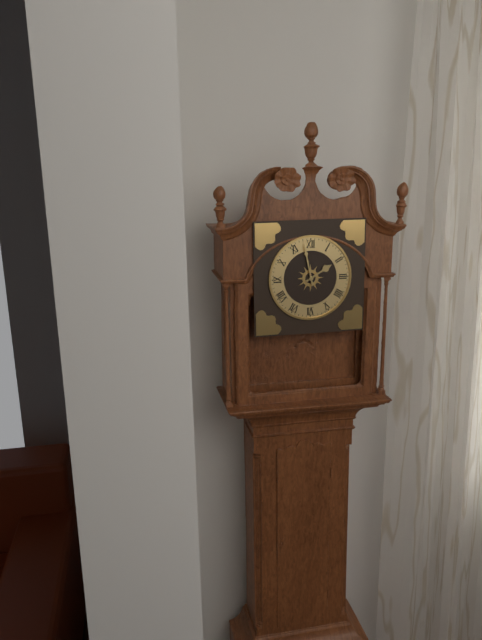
h=1 m=58
